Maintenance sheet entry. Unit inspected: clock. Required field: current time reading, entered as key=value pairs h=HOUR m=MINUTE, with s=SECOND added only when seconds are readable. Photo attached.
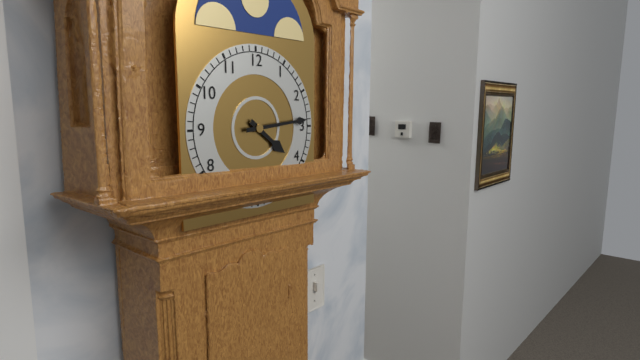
h=4 m=14
